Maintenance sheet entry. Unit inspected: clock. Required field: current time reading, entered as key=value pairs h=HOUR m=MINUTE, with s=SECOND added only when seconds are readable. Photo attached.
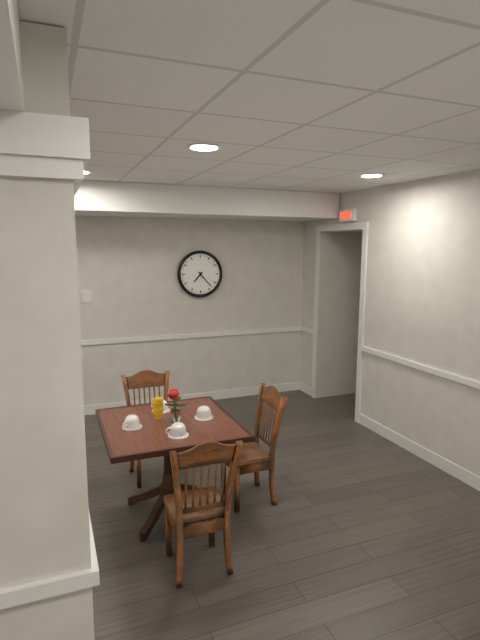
h=7 m=23
